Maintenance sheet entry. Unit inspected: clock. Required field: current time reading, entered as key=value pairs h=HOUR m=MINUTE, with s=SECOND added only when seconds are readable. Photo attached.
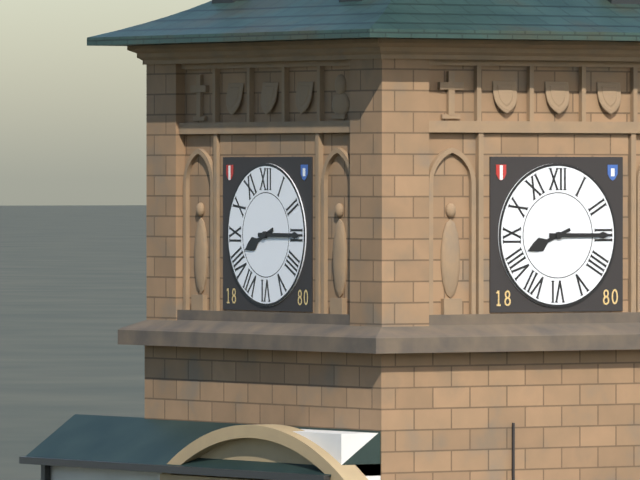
h=8 m=15
